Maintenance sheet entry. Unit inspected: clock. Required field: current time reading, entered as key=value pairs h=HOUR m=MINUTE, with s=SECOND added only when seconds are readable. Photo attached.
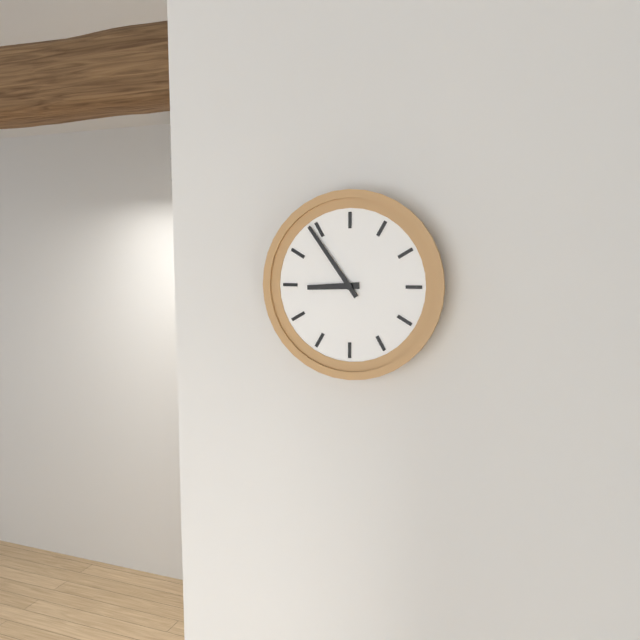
h=8 m=54
